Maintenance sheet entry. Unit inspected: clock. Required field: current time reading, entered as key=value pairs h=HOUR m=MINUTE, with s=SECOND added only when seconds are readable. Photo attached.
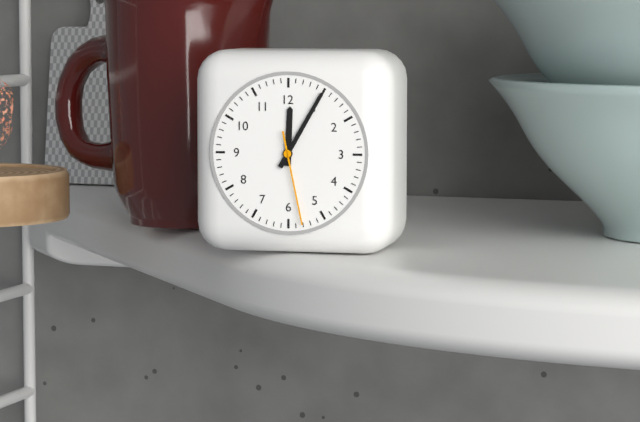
h=12 m=5 s=28
